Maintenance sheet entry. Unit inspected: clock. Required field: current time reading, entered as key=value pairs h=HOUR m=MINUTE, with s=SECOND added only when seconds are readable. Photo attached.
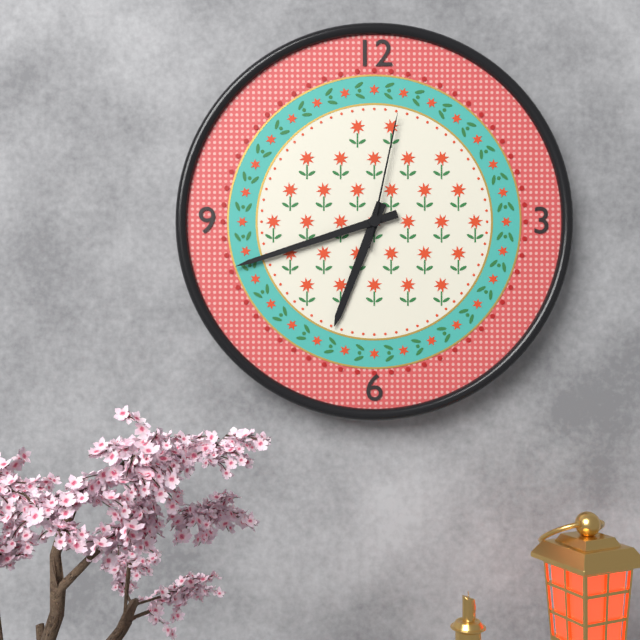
h=6 m=42 s=2
